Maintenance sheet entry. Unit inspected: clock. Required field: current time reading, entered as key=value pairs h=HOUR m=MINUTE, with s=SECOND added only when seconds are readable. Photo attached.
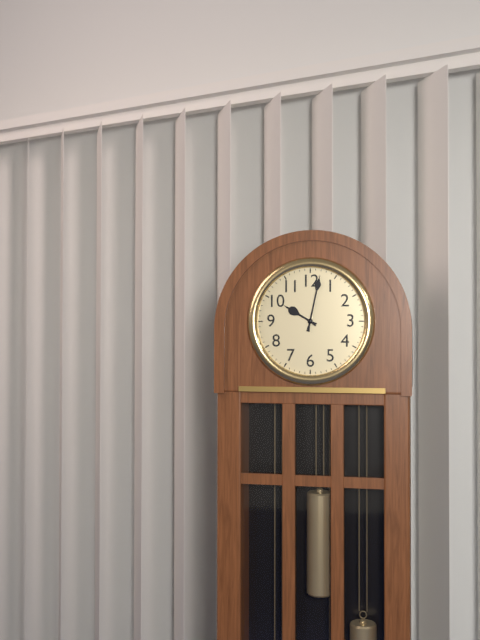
h=10 m=2
